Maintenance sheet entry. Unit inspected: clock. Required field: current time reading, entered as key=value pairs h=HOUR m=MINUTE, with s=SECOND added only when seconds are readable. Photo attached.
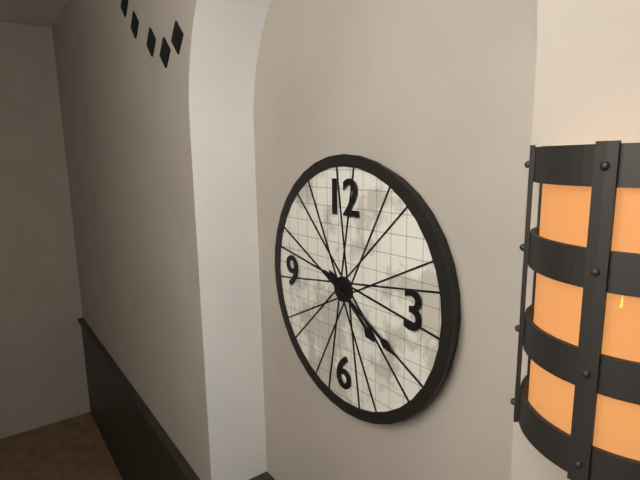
h=4 m=20
